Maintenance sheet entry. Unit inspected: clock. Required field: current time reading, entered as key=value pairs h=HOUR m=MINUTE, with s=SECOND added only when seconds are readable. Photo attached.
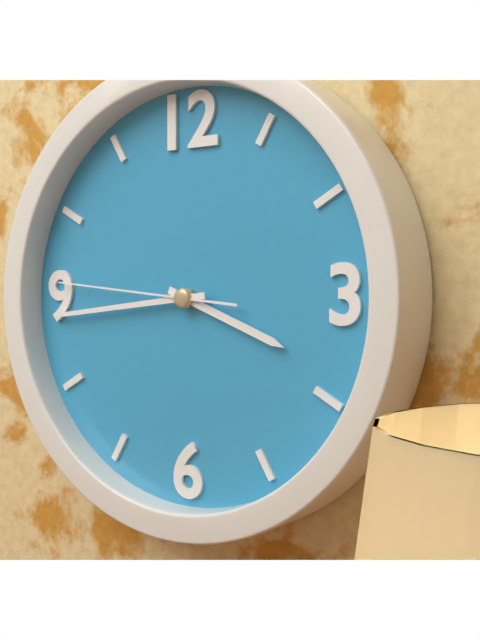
h=3 m=44 s=46
